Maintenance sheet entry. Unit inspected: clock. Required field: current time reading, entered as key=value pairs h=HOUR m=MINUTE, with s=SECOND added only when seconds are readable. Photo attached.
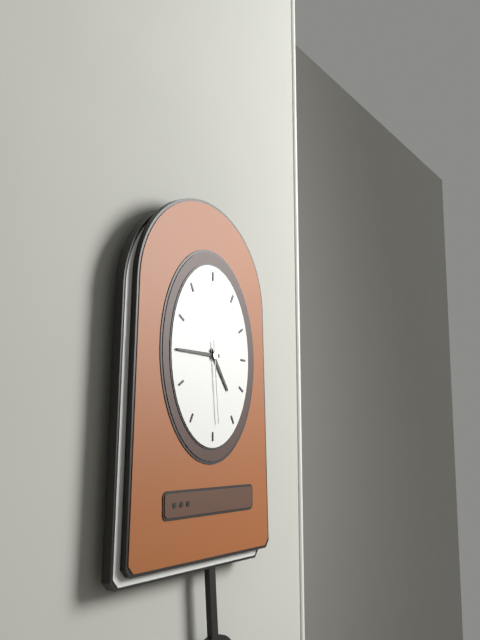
h=4 m=45 s=29
